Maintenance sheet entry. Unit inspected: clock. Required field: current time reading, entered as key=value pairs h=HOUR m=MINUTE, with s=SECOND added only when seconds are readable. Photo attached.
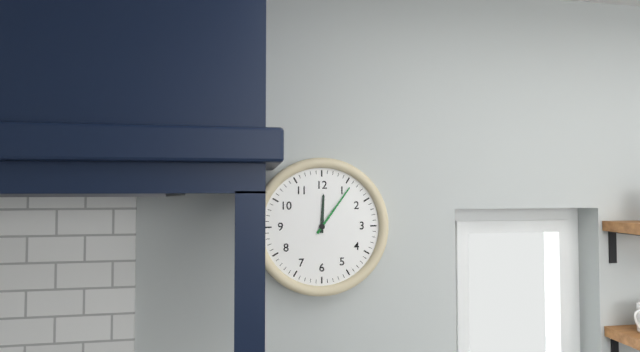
h=12 m=6
